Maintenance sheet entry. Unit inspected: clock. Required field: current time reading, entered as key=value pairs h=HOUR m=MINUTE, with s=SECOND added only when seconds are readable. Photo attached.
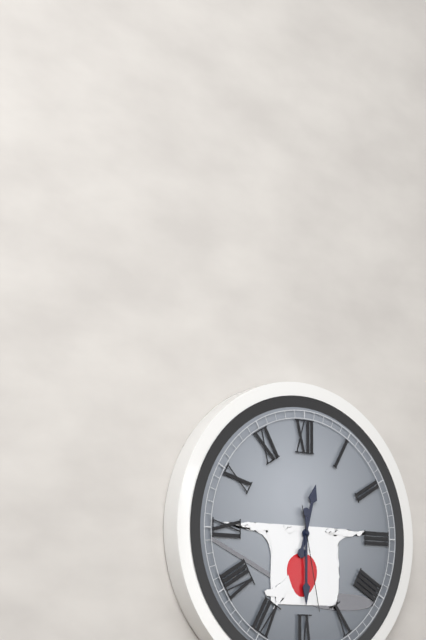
h=12 m=30 s=28
